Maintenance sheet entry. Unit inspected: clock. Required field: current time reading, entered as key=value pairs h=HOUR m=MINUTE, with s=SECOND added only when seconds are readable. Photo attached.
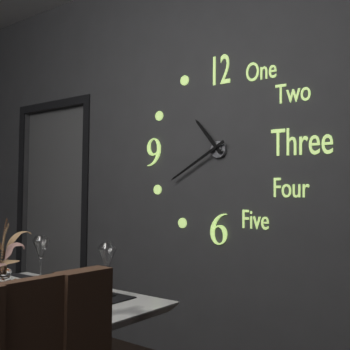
h=10 m=40
